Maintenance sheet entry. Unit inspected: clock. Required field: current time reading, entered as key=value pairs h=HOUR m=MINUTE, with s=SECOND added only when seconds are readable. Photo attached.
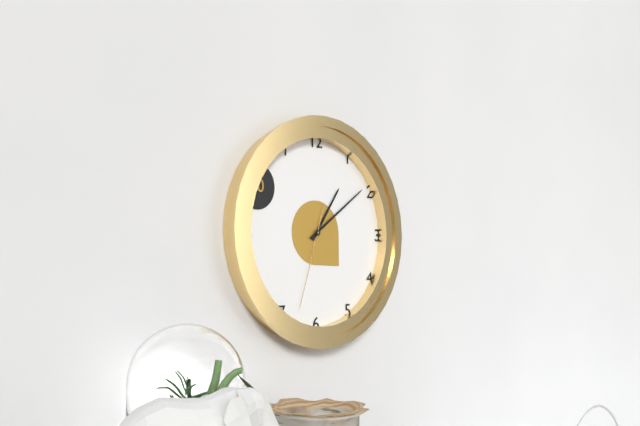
h=1 m=9 s=33
